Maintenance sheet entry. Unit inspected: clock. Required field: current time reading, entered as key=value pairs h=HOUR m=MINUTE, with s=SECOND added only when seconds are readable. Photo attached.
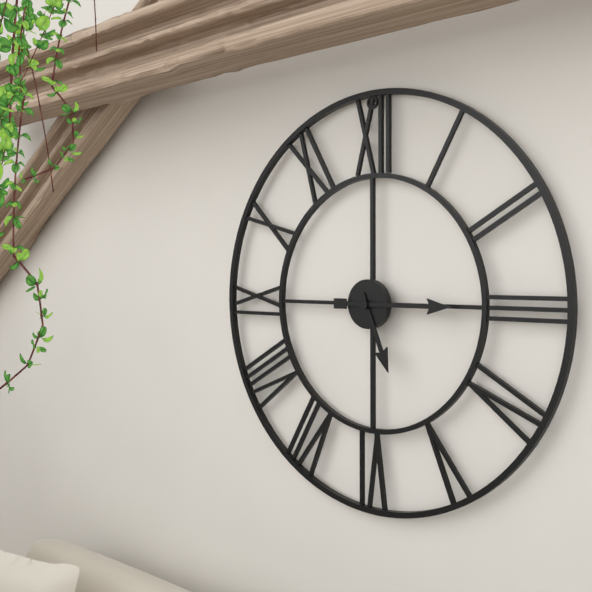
h=5 m=15
